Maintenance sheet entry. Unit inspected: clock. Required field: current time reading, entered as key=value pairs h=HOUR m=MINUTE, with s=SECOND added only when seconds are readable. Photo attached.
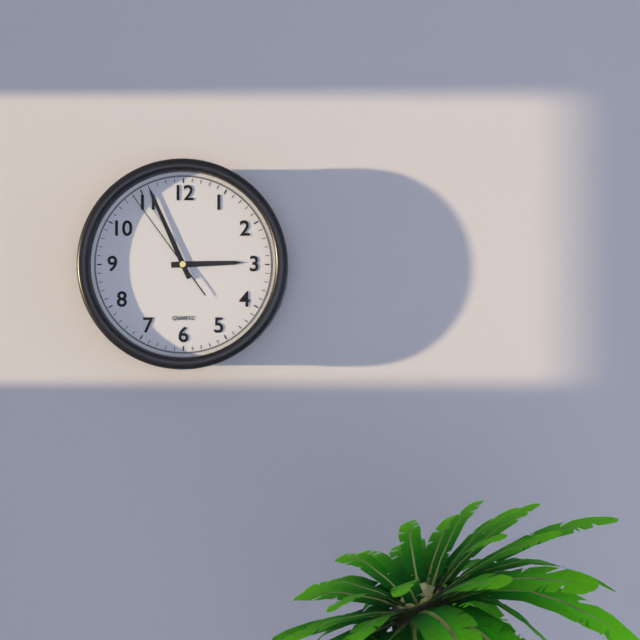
h=2 m=56 s=54
